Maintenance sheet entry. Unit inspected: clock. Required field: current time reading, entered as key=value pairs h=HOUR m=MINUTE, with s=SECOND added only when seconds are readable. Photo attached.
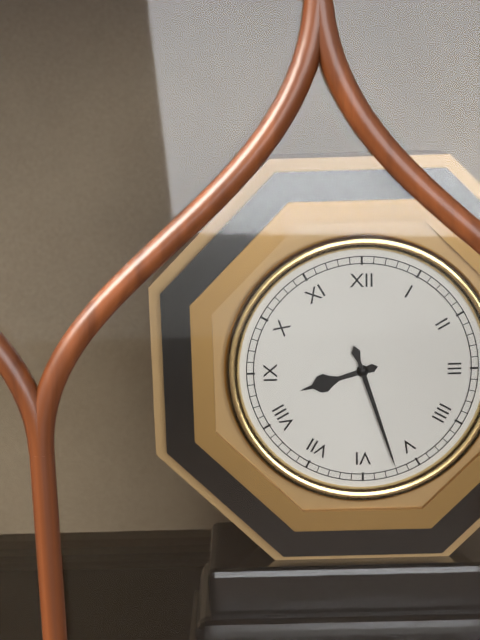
h=8 m=27
